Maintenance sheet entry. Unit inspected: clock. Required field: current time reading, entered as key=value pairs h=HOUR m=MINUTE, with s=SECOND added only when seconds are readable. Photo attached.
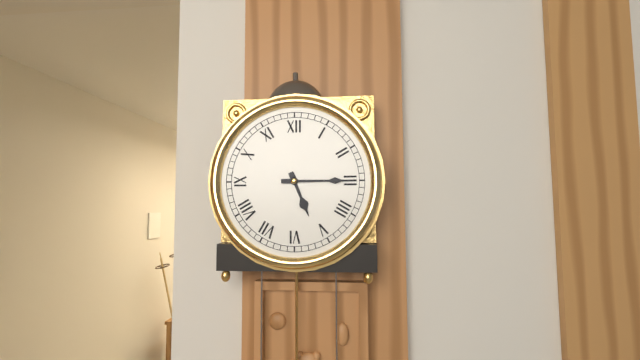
h=5 m=15
